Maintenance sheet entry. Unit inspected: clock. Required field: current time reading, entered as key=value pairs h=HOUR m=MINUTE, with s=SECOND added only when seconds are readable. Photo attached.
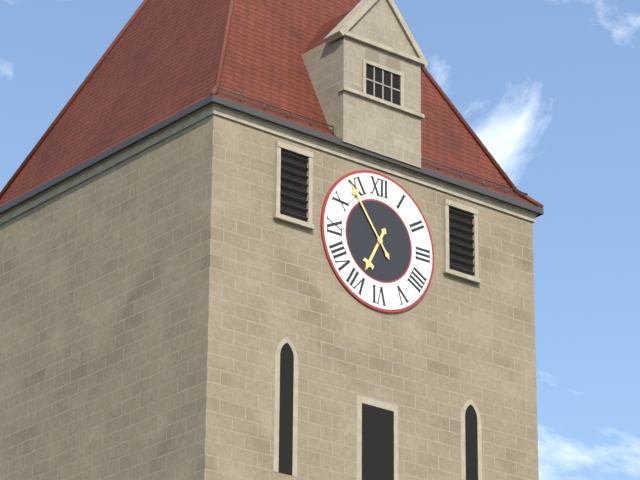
h=6 m=54
